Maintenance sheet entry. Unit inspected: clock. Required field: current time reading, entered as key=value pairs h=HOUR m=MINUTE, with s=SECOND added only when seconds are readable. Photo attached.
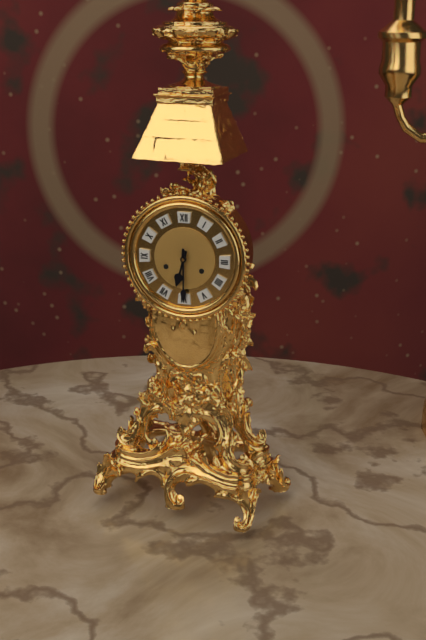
h=6 m=30
